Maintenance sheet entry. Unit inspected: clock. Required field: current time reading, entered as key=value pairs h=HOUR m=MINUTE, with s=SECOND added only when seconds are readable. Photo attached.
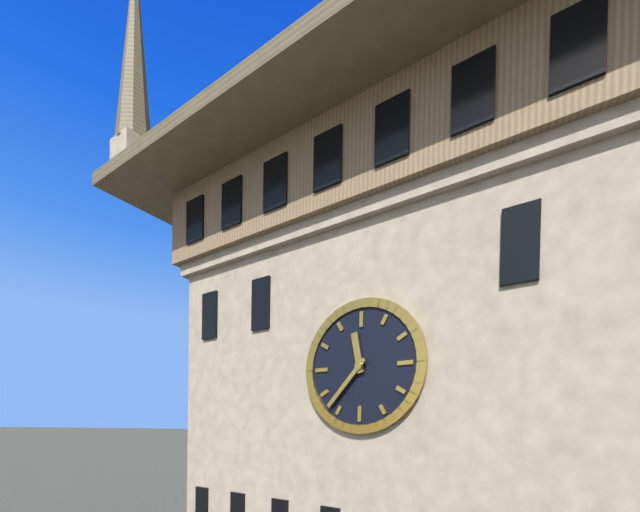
h=11 m=37
